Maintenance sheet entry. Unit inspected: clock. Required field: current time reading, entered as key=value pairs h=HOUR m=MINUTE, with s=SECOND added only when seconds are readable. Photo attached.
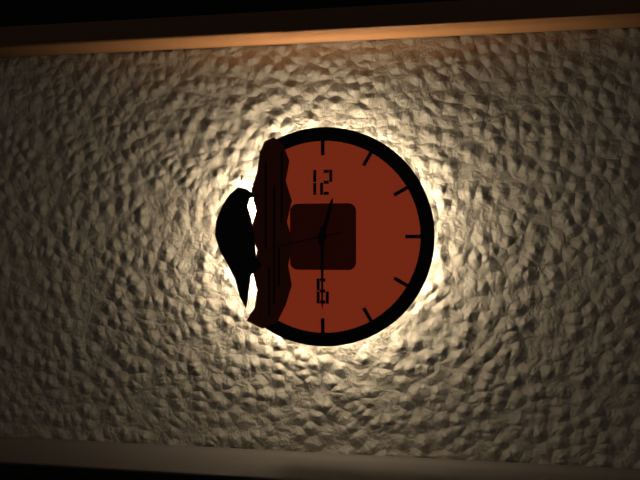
h=12 m=30 s=43
